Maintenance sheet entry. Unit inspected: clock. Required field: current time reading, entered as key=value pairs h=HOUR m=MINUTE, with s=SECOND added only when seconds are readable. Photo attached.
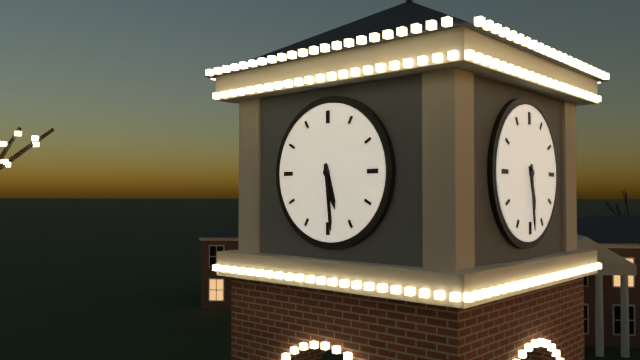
h=5 m=29
